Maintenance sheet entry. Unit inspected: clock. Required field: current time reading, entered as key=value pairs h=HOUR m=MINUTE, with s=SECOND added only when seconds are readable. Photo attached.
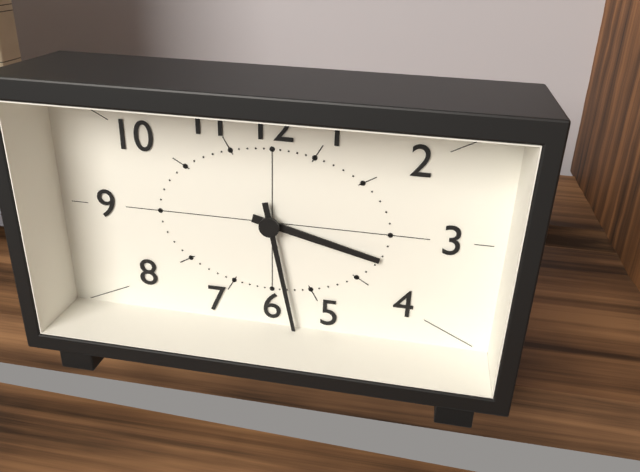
h=3 m=28
